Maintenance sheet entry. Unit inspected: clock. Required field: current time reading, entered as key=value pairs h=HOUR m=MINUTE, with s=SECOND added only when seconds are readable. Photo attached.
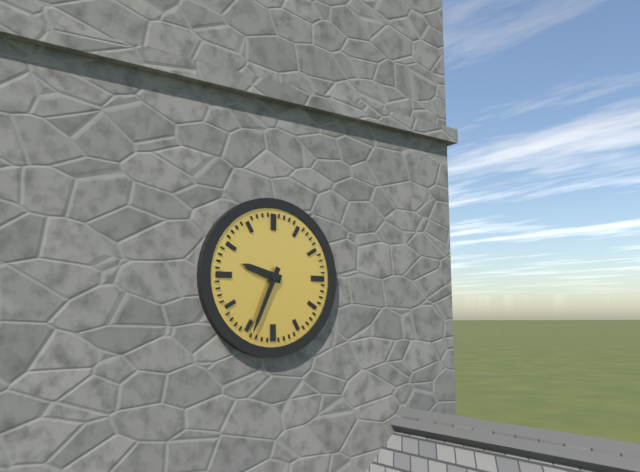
h=9 m=34
